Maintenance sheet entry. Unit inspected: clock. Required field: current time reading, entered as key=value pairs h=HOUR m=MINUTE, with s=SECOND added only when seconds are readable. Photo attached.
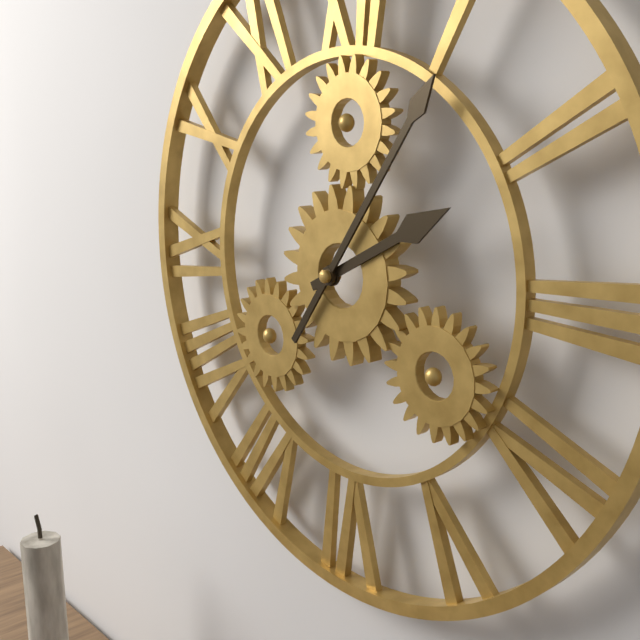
h=2 m=6
